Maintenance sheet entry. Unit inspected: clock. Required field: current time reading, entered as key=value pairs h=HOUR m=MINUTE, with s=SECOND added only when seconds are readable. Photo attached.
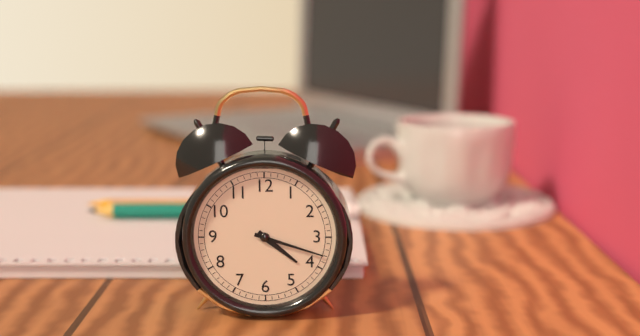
h=4 m=18
